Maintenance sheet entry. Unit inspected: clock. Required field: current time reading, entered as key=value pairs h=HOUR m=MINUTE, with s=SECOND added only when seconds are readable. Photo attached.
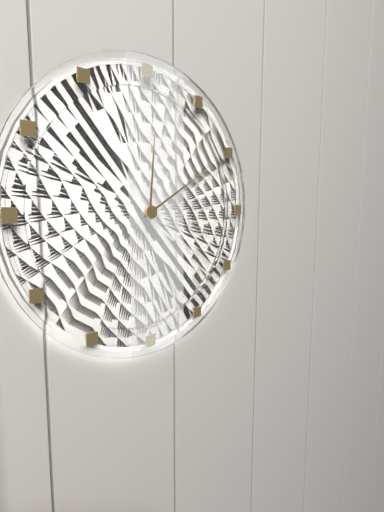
h=12 m=10
